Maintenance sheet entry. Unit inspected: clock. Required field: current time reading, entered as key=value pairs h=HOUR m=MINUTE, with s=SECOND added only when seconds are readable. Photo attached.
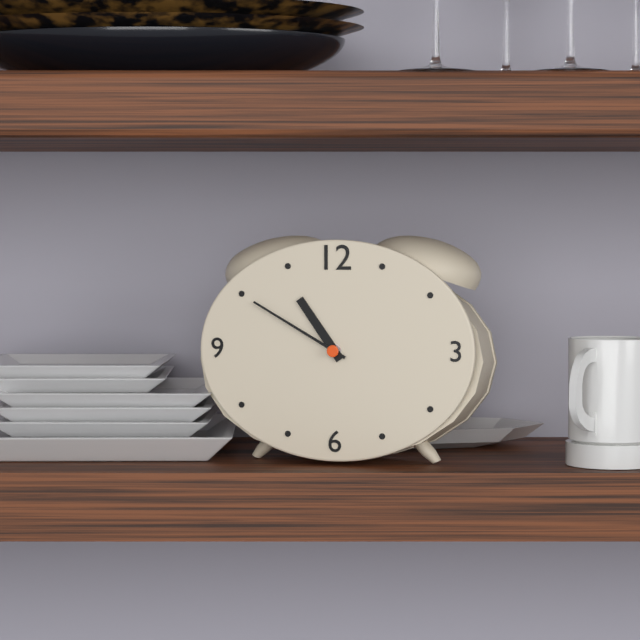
h=10 m=50
